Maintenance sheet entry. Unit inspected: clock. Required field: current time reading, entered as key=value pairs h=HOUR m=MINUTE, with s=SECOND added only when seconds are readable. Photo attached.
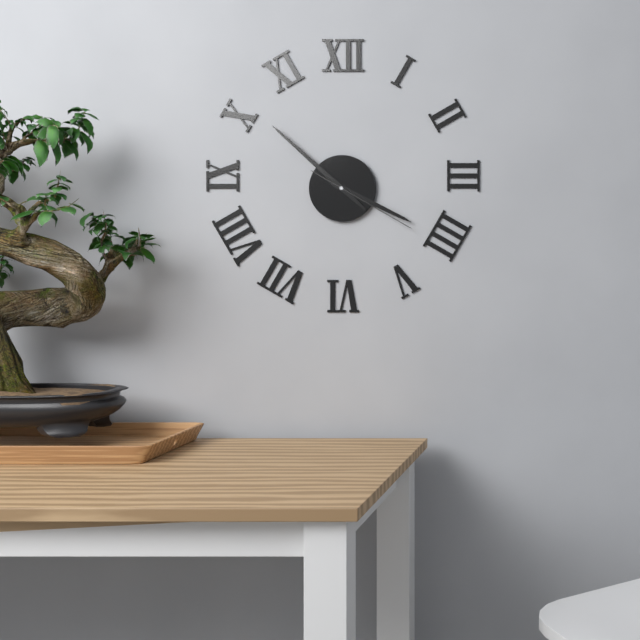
h=3 m=52 s=20
